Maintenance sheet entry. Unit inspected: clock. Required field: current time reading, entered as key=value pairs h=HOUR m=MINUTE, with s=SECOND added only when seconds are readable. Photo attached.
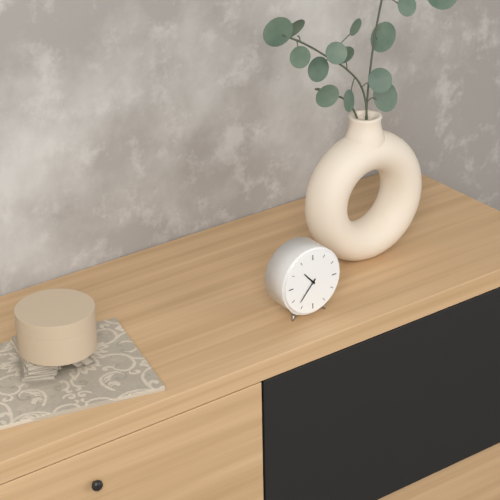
h=10 m=37
